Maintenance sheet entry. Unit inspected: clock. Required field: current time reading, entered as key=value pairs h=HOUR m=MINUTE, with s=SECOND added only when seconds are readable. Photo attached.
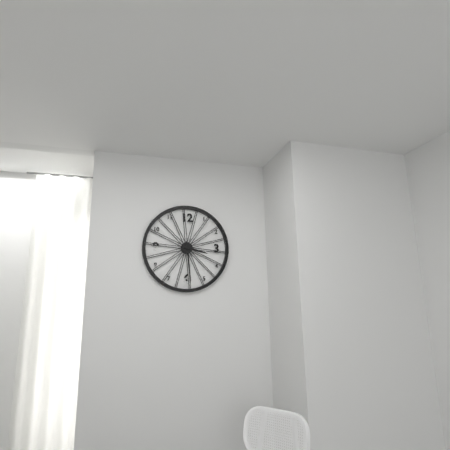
h=3 m=29
